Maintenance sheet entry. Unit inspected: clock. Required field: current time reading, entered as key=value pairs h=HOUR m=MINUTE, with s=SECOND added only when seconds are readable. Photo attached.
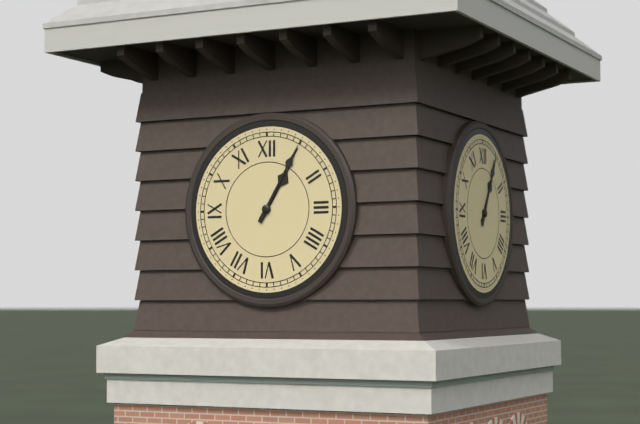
h=1 m=5
